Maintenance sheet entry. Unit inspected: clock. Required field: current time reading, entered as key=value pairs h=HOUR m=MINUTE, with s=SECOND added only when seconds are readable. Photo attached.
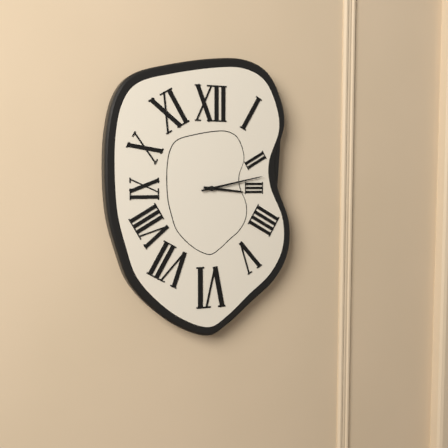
h=3 m=13
